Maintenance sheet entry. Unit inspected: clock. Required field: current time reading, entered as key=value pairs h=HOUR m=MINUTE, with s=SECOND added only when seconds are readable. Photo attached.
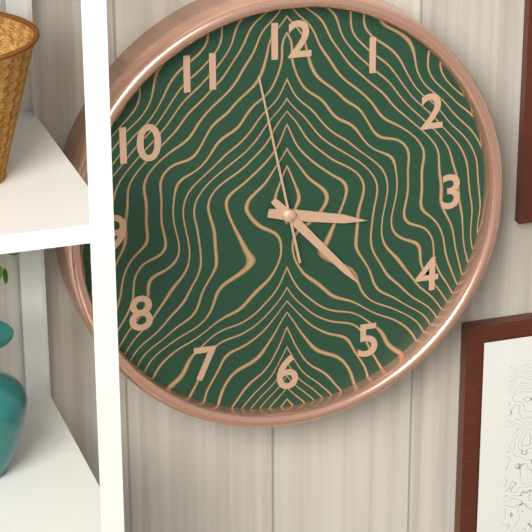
h=3 m=23 s=58
